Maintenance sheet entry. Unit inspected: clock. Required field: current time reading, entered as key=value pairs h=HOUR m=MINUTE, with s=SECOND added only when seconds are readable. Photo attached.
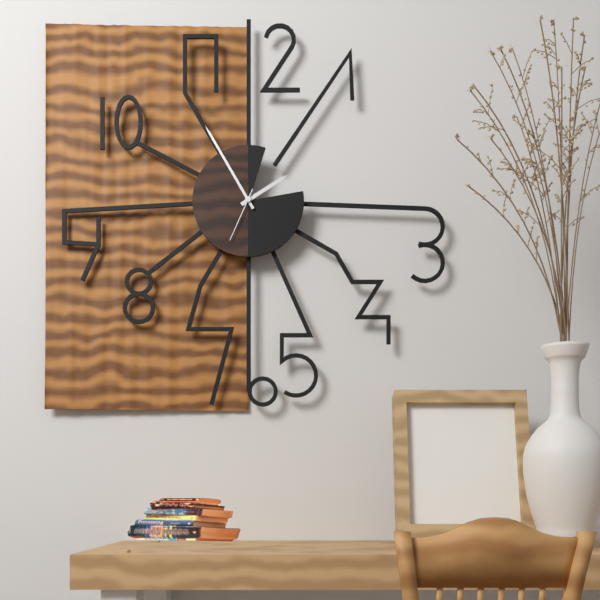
h=1 m=55
